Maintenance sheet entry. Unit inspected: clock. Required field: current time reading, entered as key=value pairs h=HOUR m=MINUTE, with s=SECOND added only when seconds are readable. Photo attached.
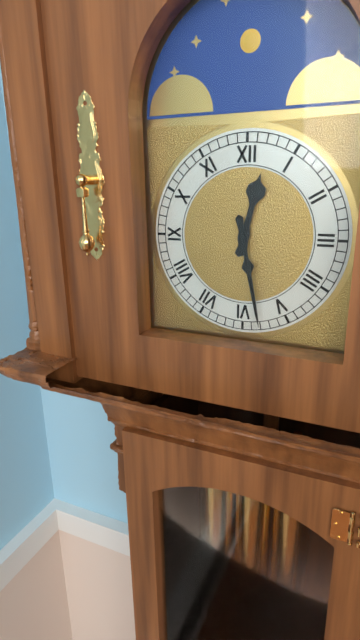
h=12 m=28
